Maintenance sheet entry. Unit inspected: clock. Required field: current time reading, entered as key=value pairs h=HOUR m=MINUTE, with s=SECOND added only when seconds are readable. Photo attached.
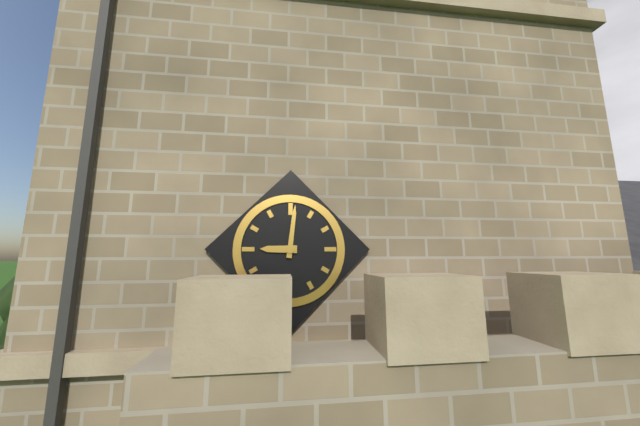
h=9 m=1
